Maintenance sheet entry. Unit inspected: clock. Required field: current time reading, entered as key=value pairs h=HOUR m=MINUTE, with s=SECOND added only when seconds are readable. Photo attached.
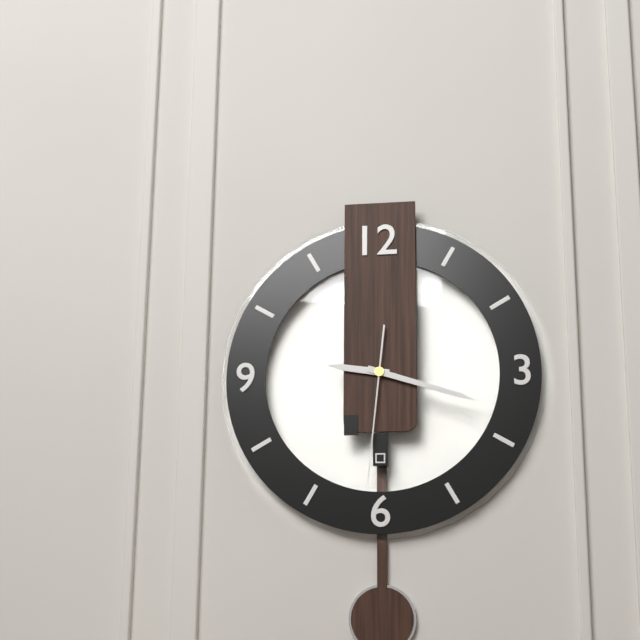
h=9 m=18 s=31
